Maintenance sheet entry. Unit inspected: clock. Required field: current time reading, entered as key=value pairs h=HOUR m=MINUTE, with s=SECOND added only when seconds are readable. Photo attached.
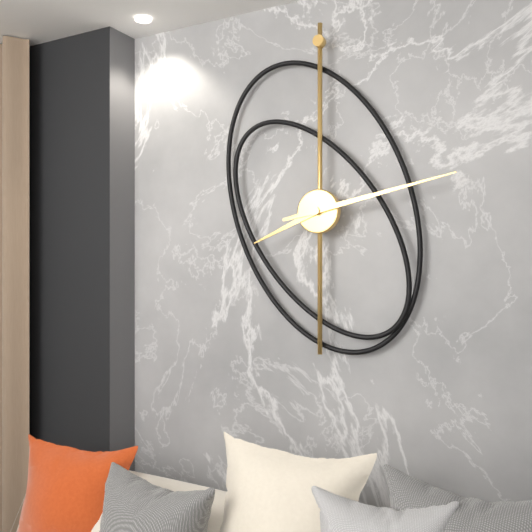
h=8 m=13
